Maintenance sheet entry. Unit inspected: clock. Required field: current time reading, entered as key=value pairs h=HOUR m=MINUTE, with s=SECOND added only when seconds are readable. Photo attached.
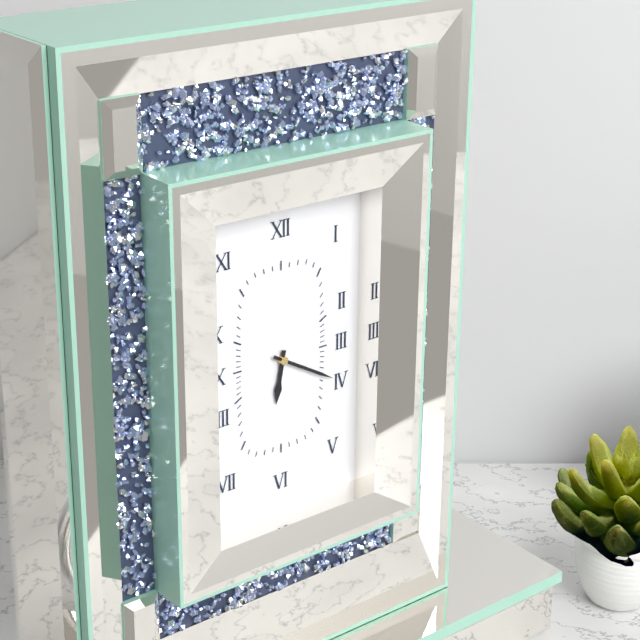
h=6 m=20
